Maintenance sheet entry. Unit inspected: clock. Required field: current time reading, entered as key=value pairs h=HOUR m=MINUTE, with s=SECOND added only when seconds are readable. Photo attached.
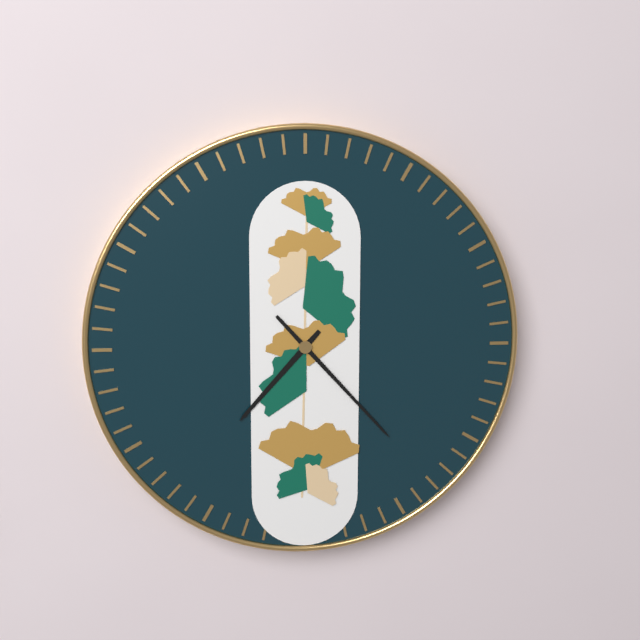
h=7 m=23
